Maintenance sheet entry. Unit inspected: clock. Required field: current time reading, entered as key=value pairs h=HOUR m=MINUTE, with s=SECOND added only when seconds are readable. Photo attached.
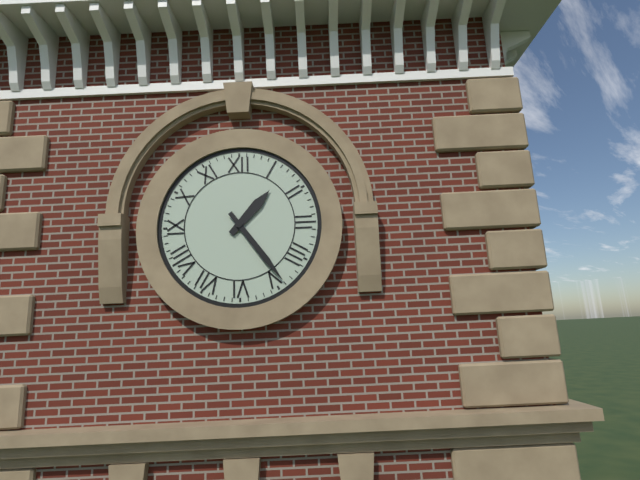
h=1 m=24
